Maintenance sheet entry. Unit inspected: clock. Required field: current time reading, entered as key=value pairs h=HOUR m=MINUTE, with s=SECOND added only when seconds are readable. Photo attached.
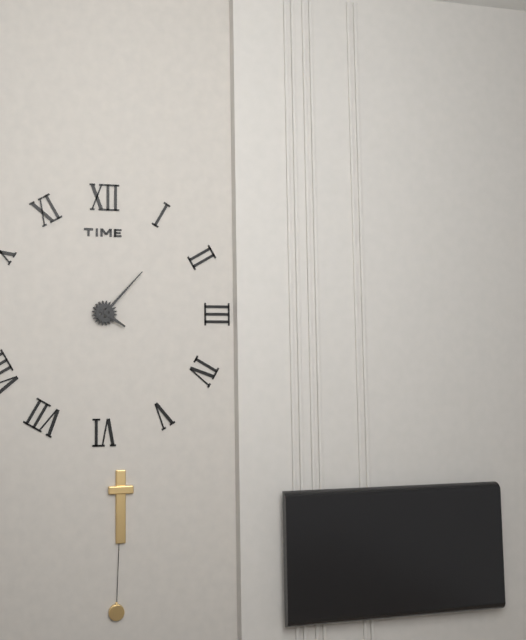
h=4 m=7
